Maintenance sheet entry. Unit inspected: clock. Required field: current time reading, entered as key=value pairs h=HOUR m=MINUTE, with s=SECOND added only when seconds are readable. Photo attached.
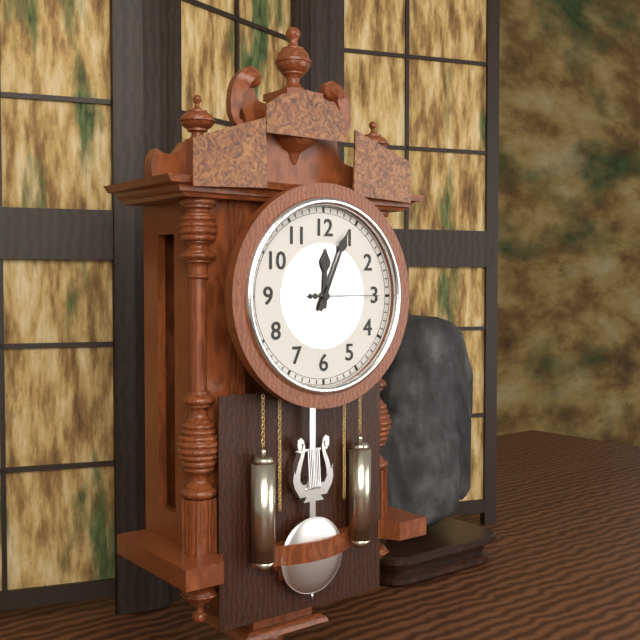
h=12 m=4 s=15
